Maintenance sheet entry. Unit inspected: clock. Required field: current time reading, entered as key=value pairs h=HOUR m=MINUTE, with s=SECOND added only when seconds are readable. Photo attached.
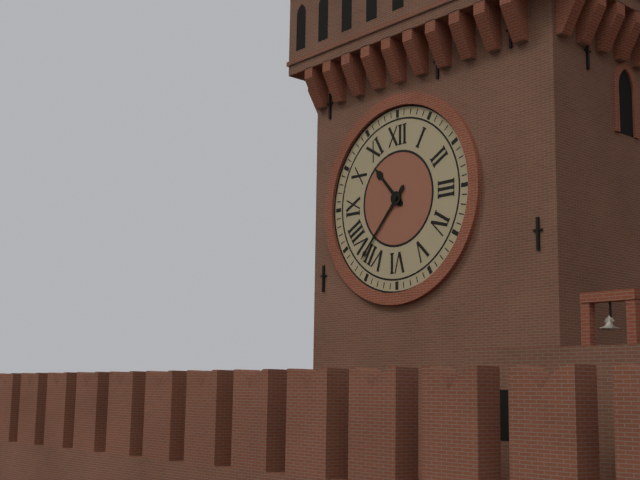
h=10 m=37
